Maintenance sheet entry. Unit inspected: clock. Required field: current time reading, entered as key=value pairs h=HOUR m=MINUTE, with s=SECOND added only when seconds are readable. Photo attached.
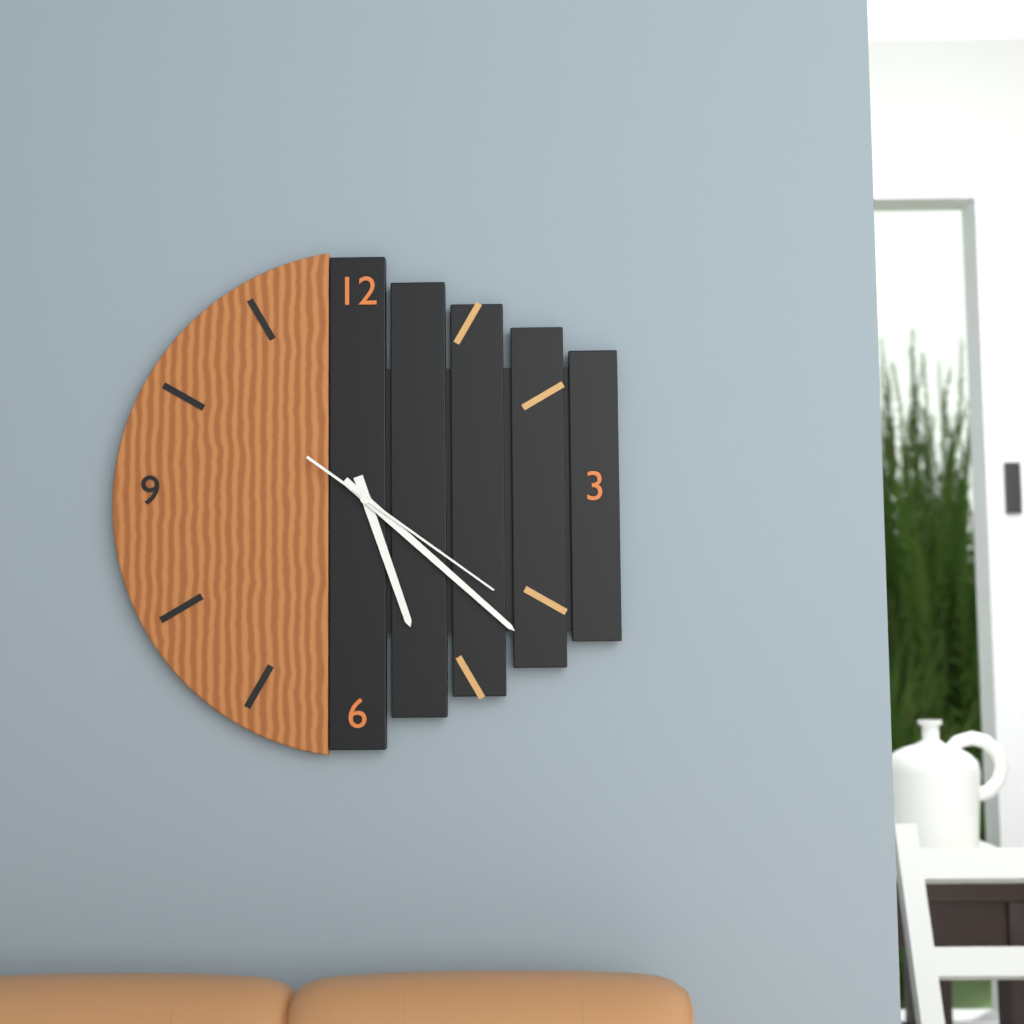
h=5 m=22 s=21
